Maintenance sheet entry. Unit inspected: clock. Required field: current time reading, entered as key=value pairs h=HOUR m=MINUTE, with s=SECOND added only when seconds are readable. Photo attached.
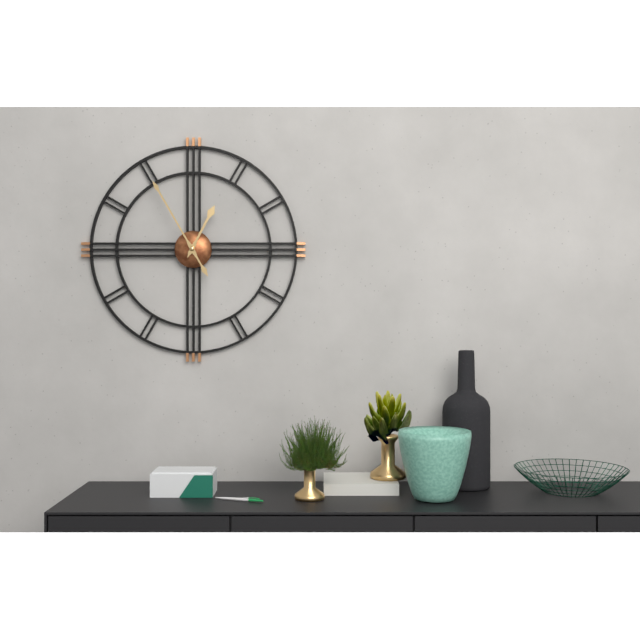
h=12 m=55
